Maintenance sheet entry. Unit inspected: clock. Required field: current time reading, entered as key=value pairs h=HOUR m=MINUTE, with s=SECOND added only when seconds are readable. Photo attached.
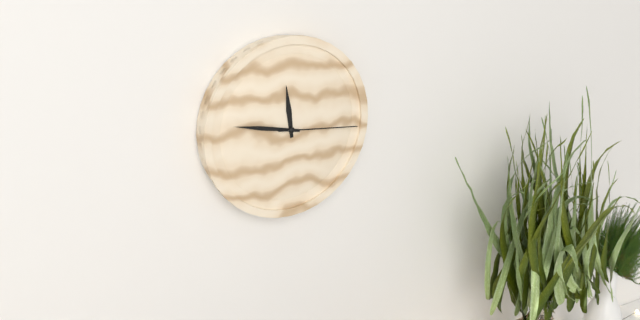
h=11 m=47 s=16
